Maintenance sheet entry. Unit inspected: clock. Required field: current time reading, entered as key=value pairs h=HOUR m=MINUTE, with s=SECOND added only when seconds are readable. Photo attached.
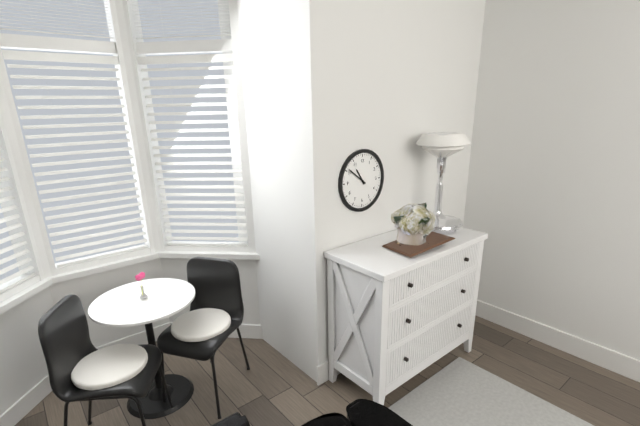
h=10 m=51
